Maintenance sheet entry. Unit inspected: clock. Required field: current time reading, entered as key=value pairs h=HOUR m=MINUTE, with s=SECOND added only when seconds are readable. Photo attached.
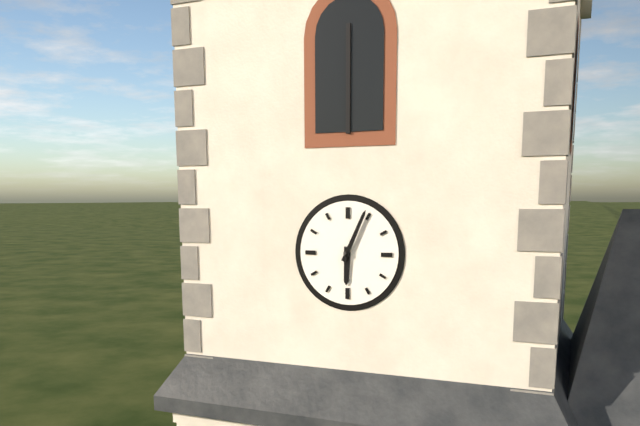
h=6 m=4
